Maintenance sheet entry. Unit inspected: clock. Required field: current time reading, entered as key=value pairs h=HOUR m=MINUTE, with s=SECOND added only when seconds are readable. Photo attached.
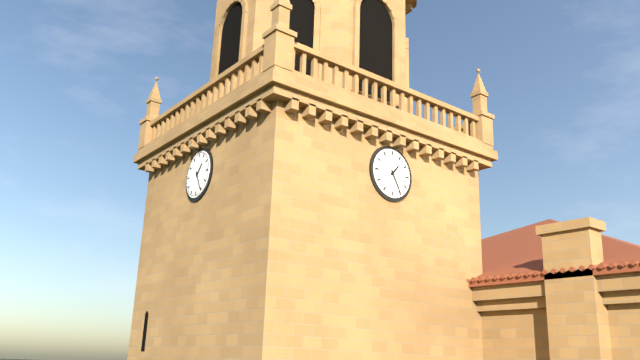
h=1 m=25
